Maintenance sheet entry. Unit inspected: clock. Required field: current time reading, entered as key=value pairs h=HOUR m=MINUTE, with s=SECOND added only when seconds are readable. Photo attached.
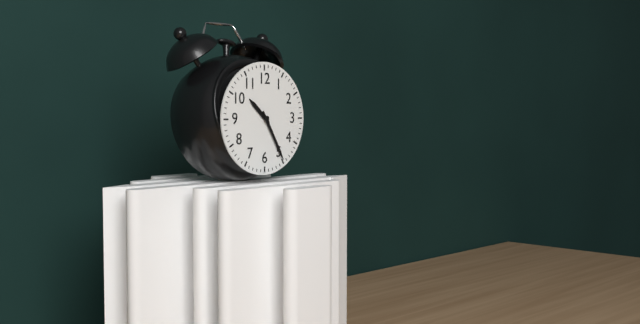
h=10 m=25
